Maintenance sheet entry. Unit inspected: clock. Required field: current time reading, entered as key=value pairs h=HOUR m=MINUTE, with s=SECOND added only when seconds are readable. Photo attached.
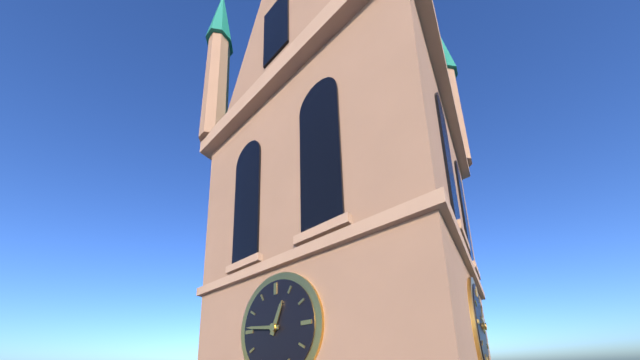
h=12 m=46
